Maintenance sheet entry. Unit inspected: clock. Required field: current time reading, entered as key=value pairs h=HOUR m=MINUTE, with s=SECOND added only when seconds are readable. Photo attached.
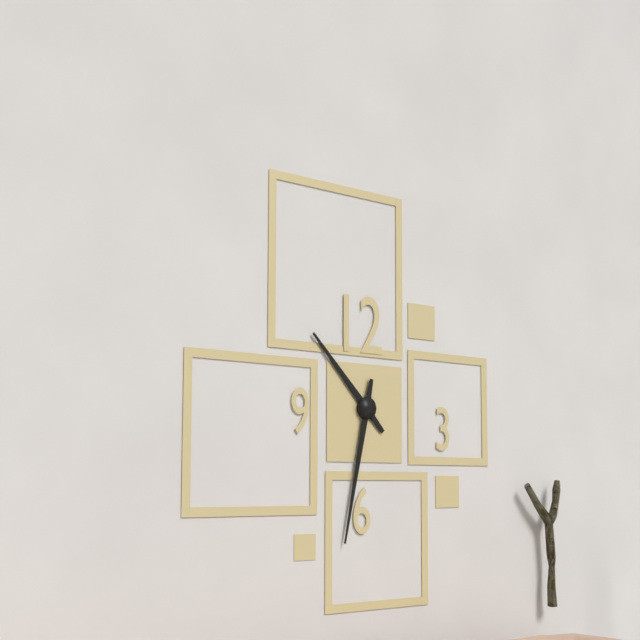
h=10 m=32
